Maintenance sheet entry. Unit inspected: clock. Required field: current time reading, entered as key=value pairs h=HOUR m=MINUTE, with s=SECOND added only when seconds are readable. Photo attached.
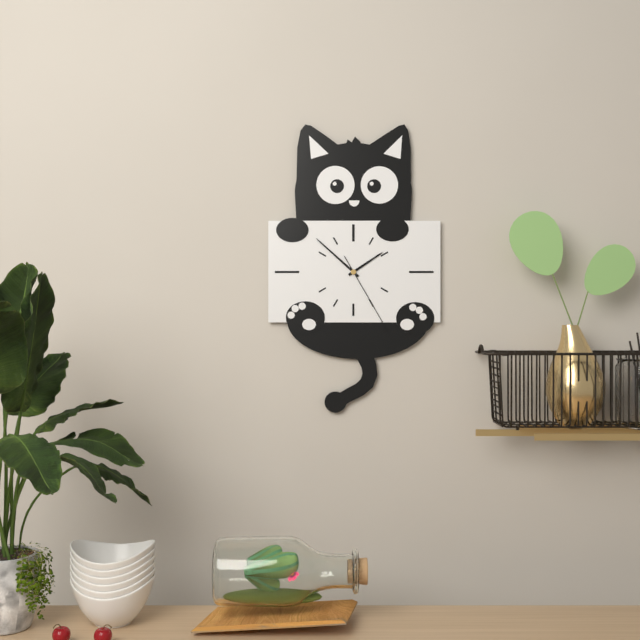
h=1 m=52 s=25
